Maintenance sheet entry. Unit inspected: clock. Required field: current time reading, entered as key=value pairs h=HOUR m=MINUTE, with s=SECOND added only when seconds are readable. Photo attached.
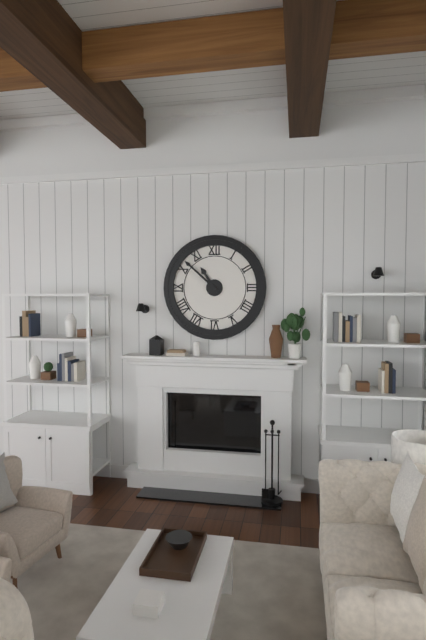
h=10 m=52
